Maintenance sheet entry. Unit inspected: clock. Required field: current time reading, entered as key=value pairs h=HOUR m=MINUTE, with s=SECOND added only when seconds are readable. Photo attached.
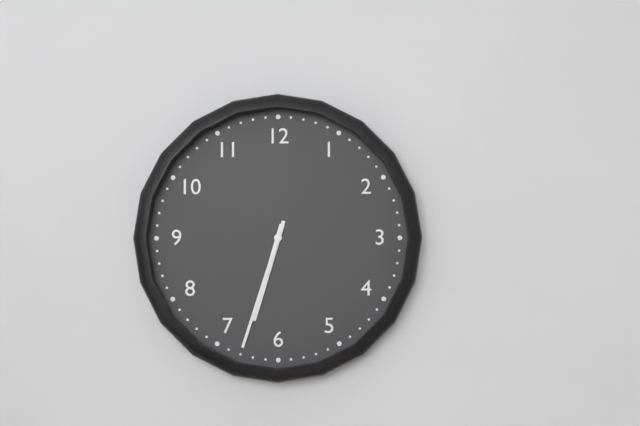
h=6 m=33
